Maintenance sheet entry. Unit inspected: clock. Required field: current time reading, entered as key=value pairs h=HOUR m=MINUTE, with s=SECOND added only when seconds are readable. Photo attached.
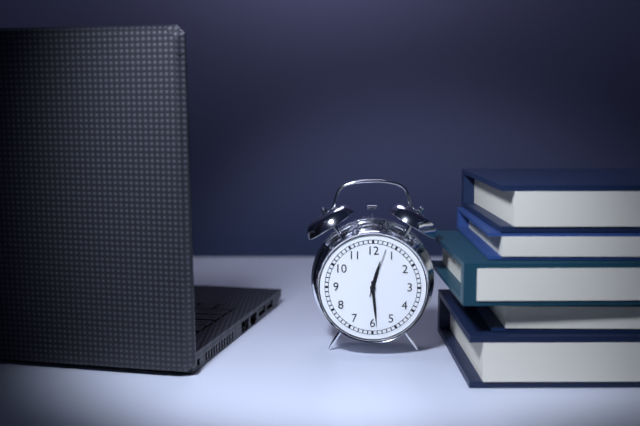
h=12 m=29 s=3
